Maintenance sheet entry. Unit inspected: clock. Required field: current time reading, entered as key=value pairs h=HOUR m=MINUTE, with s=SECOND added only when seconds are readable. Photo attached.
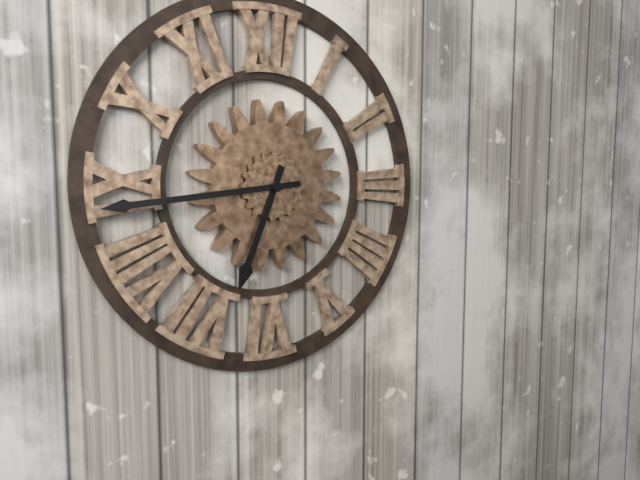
h=6 m=44
